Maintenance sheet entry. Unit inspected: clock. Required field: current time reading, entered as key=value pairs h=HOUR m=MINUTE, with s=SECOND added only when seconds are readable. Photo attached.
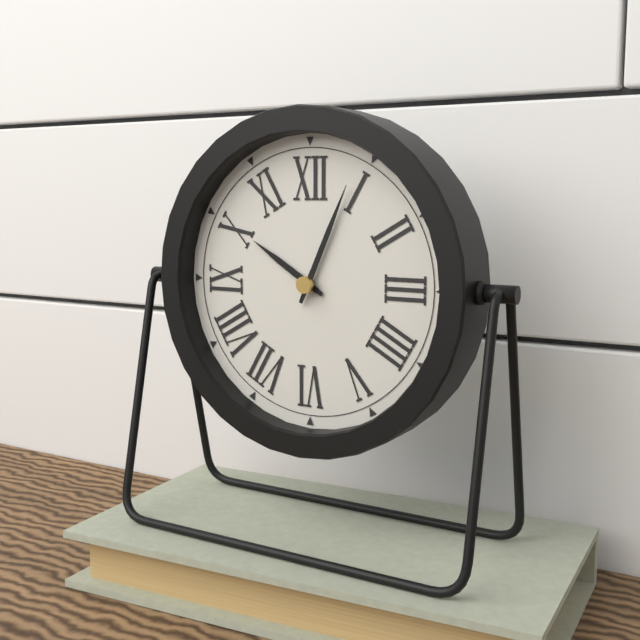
h=10 m=4
